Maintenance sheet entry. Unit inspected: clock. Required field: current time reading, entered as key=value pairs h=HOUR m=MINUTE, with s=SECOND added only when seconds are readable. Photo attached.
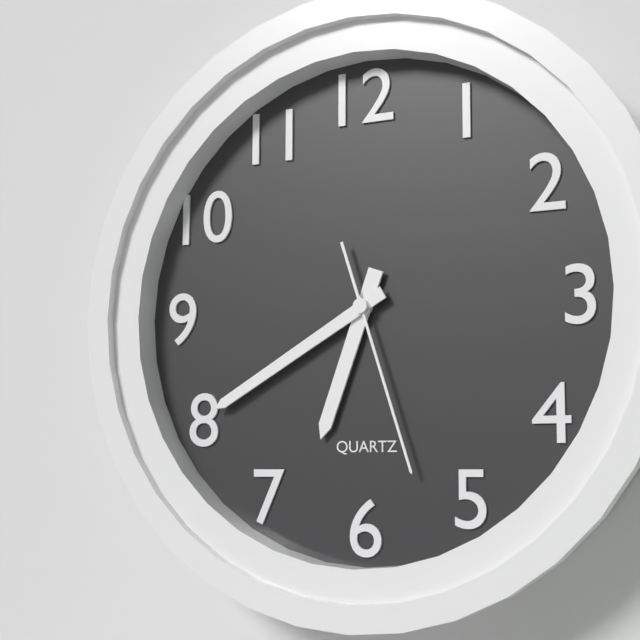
h=6 m=40 s=27
